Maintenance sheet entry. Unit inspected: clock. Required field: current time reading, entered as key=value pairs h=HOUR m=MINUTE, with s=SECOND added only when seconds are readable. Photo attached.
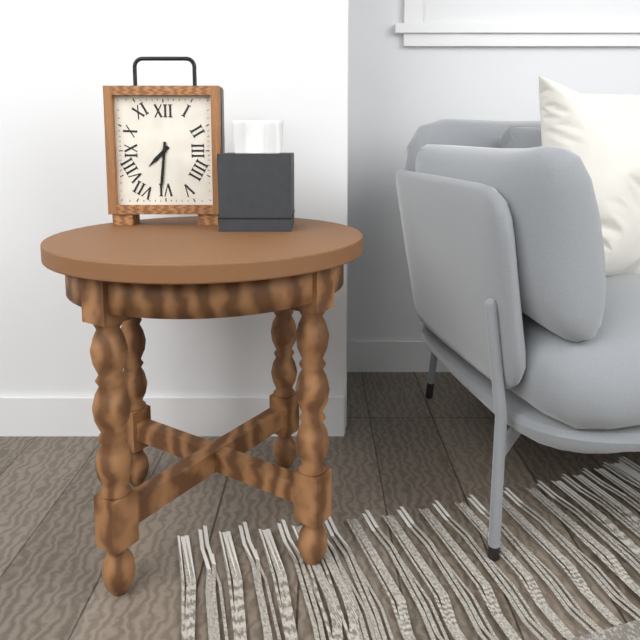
h=7 m=31
